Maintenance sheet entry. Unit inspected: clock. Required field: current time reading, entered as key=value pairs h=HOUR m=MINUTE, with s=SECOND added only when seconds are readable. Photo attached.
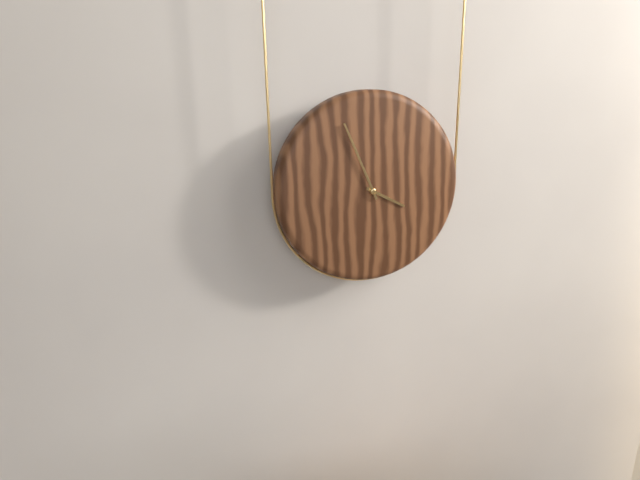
h=3 m=56
